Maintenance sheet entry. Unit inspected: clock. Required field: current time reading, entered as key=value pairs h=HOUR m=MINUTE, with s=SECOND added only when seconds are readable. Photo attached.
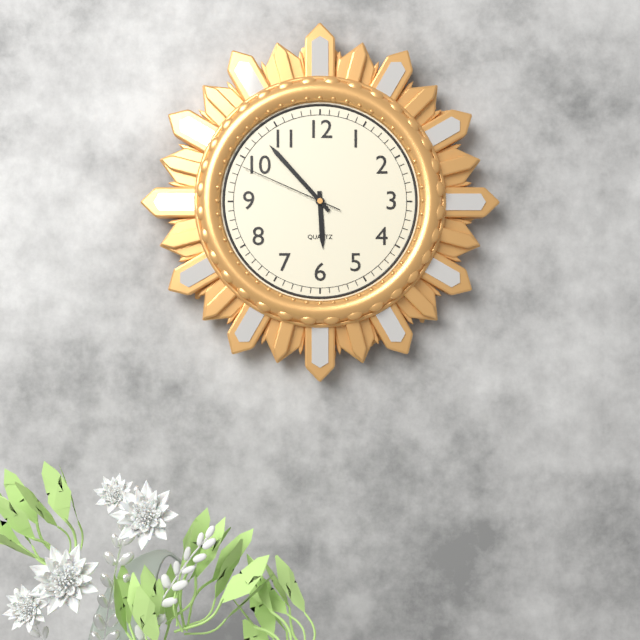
h=5 m=53 s=49
